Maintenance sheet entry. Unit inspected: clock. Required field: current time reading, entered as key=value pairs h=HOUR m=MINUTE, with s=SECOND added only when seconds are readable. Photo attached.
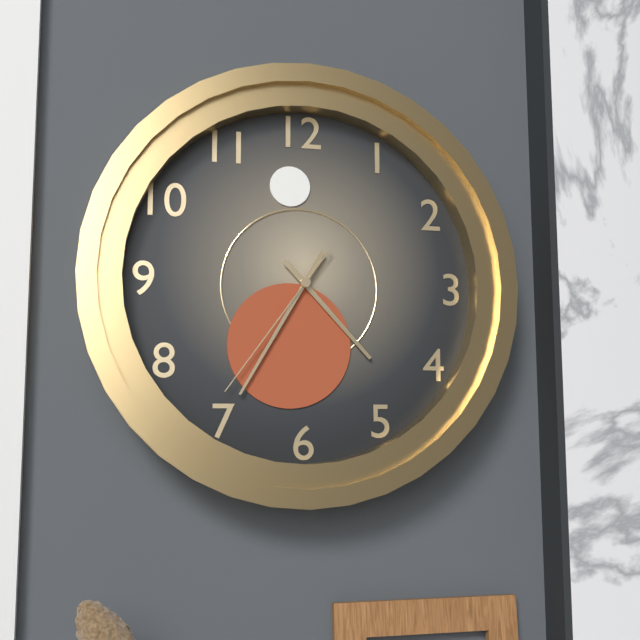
h=4 m=35 s=36
